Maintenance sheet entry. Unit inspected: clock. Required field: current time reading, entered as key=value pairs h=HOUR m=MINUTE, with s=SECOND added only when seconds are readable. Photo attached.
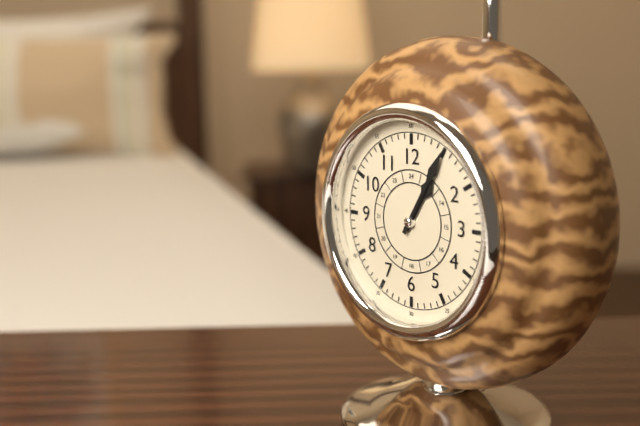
h=1 m=5
